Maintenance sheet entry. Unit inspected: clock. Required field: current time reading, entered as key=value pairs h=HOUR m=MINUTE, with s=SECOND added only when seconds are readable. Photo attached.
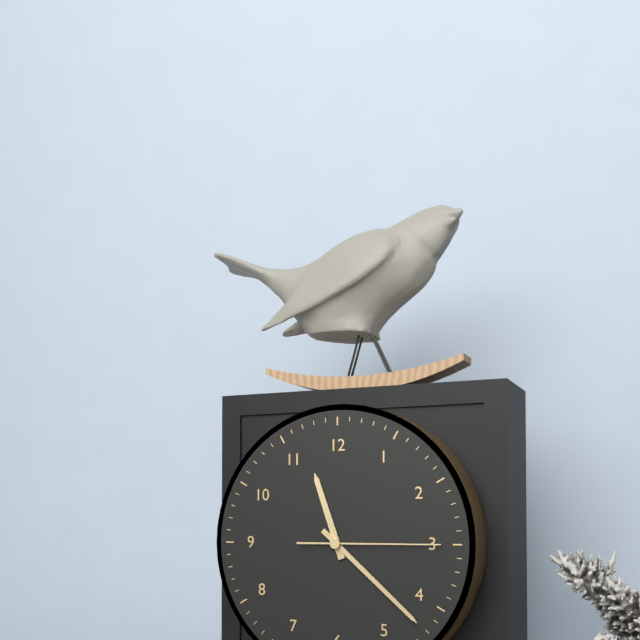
h=11 m=22 s=15
